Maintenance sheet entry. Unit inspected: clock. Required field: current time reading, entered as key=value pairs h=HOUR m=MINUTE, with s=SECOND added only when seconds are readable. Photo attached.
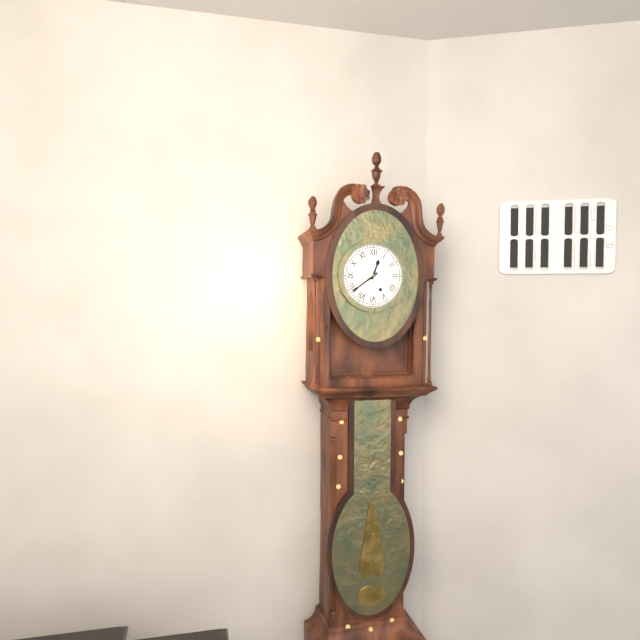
h=12 m=39
